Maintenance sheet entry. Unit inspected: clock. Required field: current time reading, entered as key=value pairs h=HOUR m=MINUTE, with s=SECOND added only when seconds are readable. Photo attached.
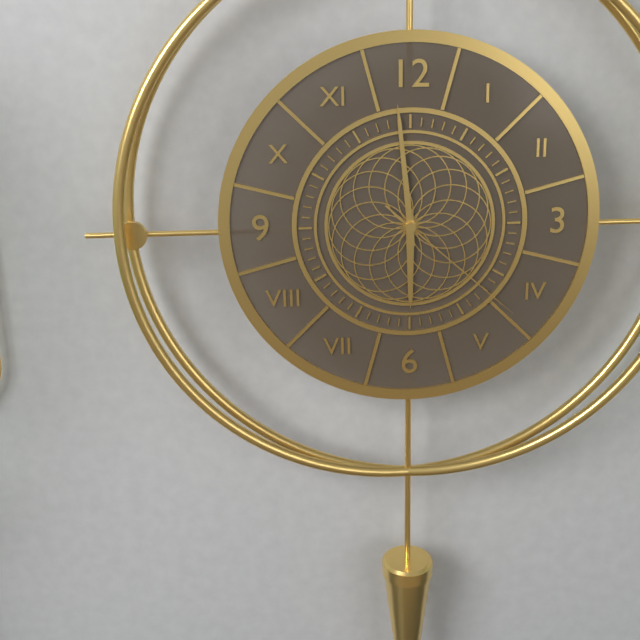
h=5 m=59 s=22
